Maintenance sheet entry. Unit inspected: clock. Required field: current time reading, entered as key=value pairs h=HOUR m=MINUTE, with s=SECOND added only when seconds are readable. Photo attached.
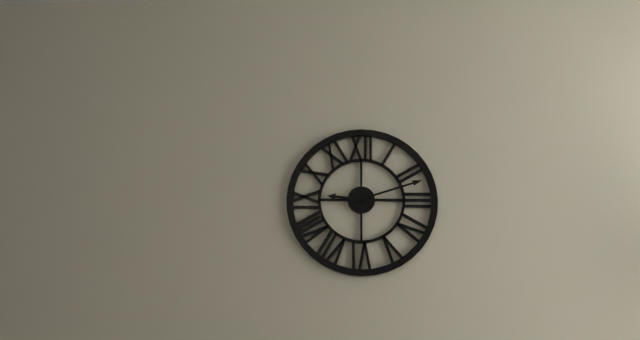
h=9 m=12
